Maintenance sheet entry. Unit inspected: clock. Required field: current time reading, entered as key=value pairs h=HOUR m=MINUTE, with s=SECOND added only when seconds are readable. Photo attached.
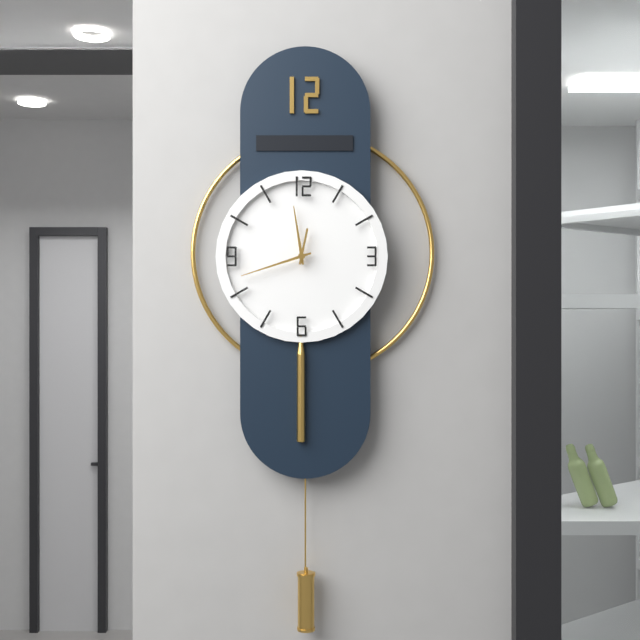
h=11 m=42
